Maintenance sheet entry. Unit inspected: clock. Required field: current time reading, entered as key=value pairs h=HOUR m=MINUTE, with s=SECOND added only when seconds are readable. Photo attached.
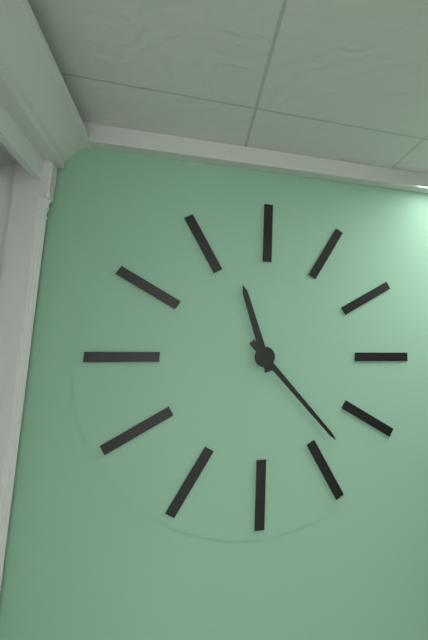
h=11 m=23
